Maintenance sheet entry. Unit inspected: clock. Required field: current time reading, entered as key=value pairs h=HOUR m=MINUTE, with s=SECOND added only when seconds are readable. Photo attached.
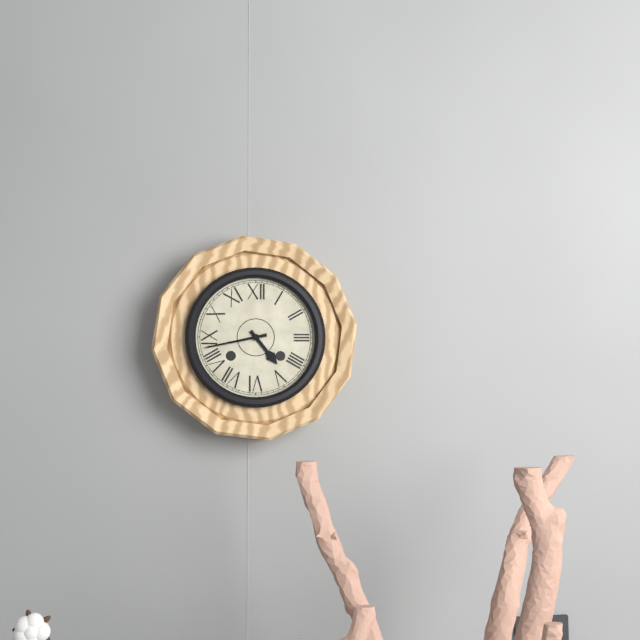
h=4 m=43
